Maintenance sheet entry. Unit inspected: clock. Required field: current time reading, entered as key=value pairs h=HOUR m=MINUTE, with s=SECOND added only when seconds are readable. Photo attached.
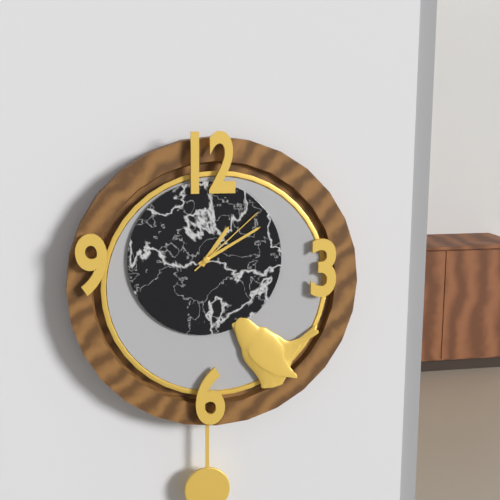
h=1 m=10 s=8
